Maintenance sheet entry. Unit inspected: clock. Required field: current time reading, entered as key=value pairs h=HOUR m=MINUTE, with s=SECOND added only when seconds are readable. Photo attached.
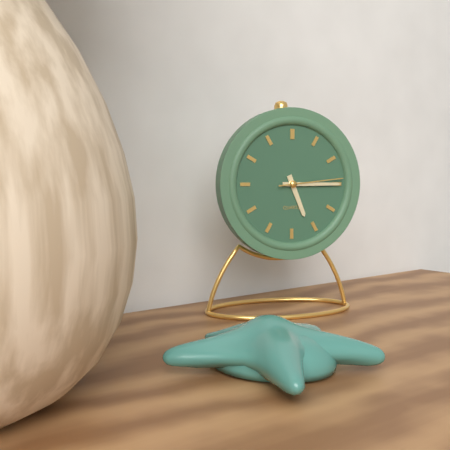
h=5 m=15 s=14
